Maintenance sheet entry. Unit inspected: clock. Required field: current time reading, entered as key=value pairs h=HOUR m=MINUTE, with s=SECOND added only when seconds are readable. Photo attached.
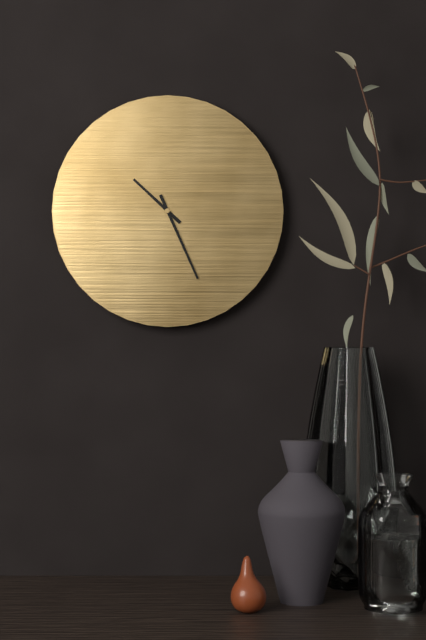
h=10 m=26
